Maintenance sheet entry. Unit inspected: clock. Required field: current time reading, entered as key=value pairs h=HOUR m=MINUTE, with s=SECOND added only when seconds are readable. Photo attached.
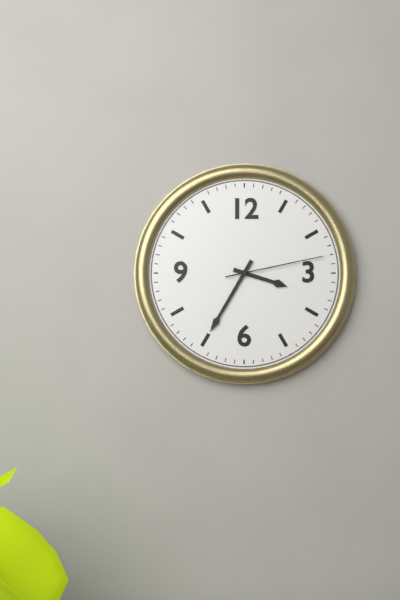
h=3 m=35 s=13
